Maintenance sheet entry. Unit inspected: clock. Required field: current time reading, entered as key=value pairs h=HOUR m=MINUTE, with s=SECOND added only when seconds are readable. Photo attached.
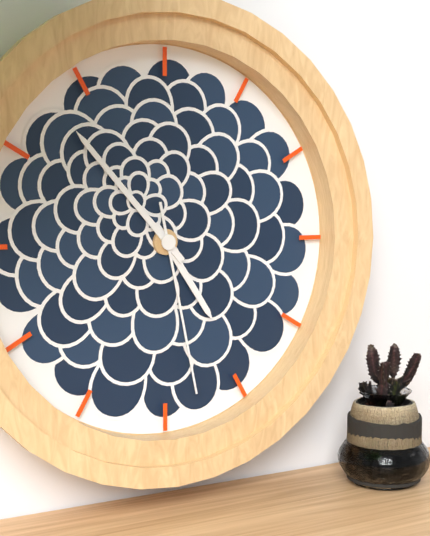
h=4 m=53 s=28
